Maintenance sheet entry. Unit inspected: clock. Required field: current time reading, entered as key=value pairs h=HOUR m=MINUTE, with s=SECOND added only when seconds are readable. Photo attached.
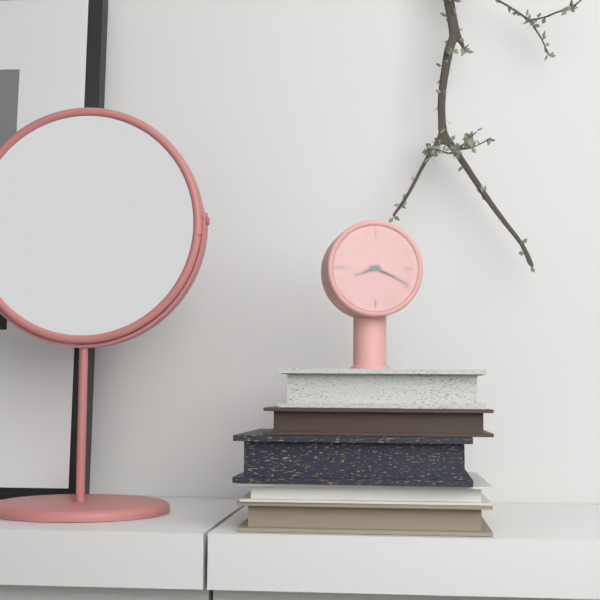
h=8 m=19
